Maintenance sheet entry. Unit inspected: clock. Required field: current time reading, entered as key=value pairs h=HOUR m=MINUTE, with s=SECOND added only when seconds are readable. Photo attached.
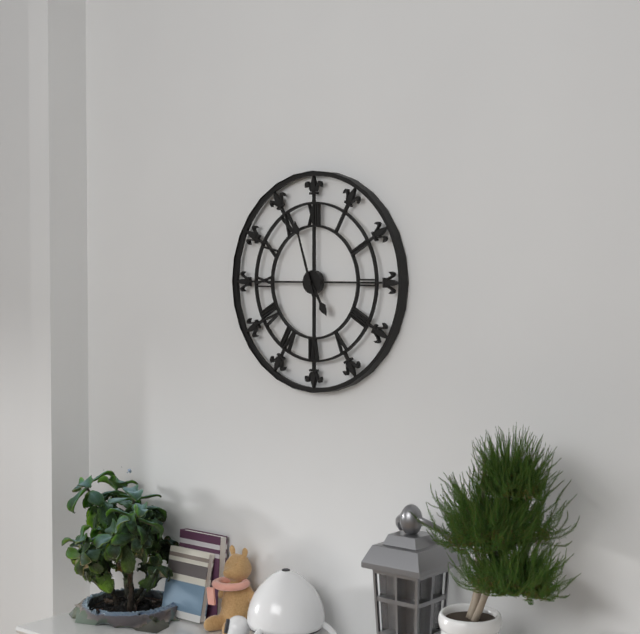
h=4 m=57
